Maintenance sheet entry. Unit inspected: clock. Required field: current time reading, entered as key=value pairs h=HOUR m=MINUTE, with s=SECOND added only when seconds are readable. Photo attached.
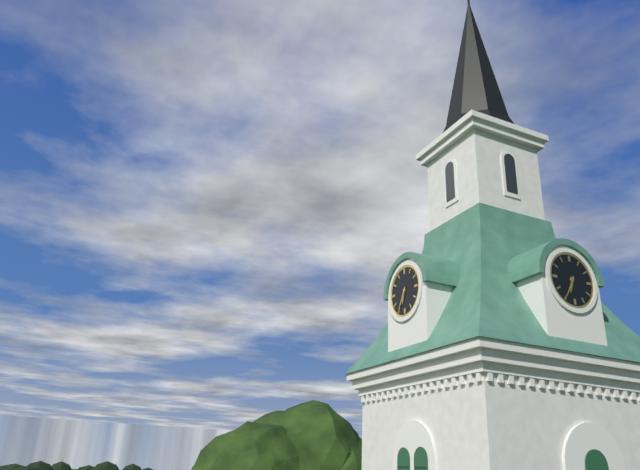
h=6 m=35
